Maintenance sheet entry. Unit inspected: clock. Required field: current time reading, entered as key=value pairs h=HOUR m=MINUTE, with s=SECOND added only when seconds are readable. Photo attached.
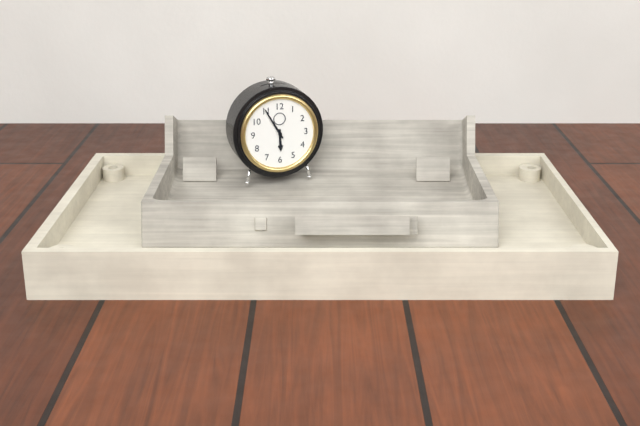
h=5 m=55
